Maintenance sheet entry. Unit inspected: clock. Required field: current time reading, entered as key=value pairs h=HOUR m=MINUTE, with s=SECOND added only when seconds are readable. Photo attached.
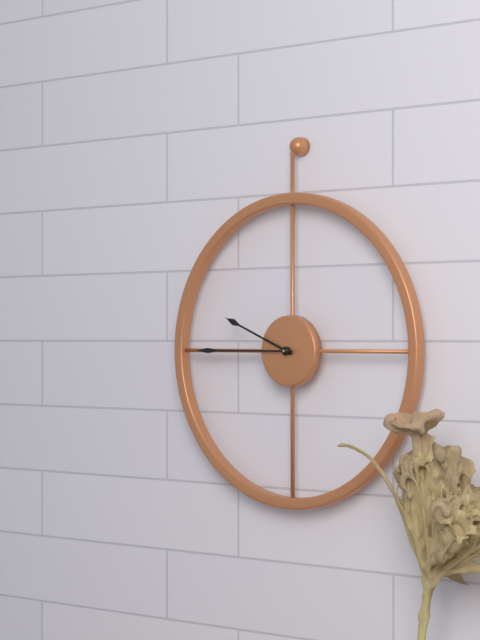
h=9 m=45
